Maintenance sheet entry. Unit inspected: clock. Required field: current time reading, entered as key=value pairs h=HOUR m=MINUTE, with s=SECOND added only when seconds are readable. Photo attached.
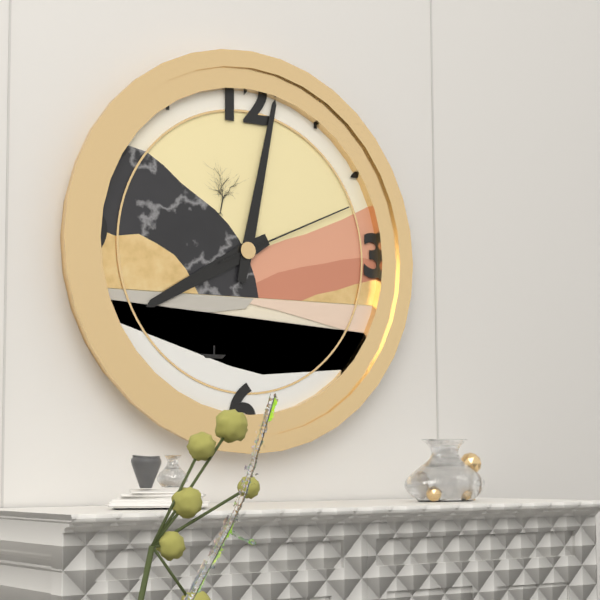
h=8 m=2 s=11
